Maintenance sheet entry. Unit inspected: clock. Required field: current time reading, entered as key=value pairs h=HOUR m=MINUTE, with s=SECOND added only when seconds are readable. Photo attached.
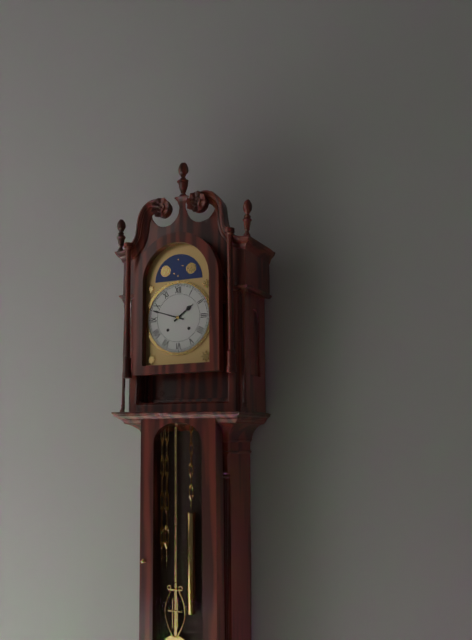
h=1 m=48
